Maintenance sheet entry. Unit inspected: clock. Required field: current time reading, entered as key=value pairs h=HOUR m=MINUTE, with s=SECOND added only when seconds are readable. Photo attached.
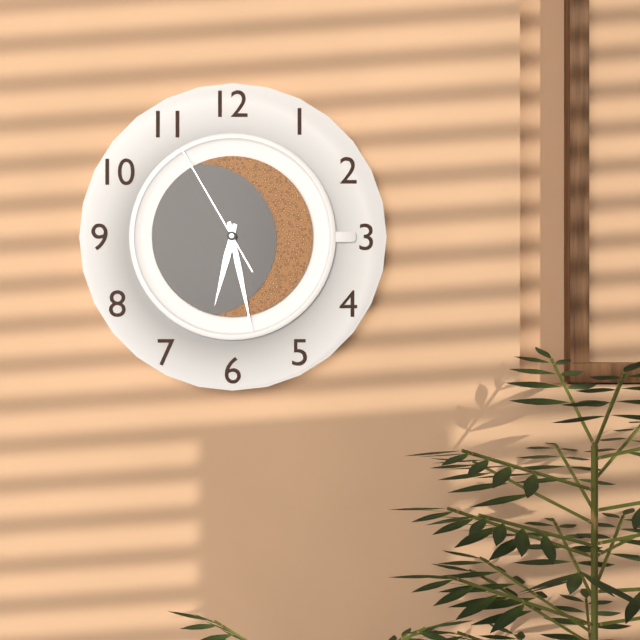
h=6 m=28 s=55
